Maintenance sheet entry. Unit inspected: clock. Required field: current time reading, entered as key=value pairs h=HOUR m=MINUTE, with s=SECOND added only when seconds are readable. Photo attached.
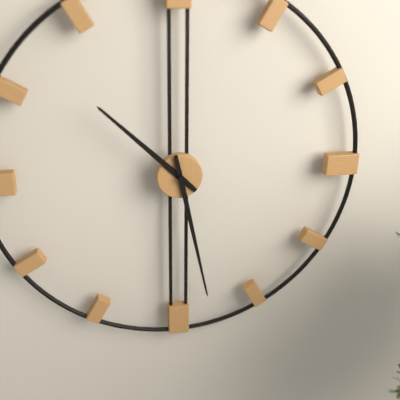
h=10 m=28
